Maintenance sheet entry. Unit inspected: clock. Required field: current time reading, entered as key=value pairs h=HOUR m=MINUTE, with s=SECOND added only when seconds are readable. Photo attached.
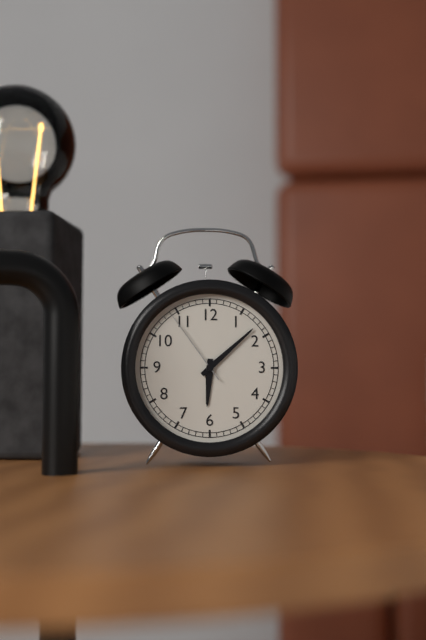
h=6 m=8 s=54
